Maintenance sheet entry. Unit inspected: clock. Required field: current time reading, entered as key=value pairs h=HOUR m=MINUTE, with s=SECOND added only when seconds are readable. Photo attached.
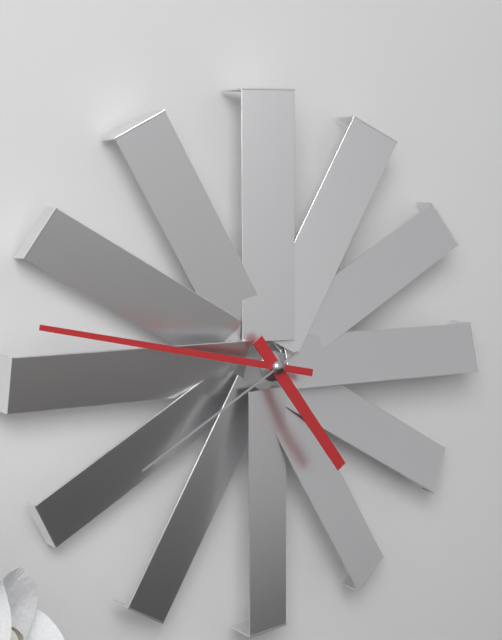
h=4 m=47 s=40
